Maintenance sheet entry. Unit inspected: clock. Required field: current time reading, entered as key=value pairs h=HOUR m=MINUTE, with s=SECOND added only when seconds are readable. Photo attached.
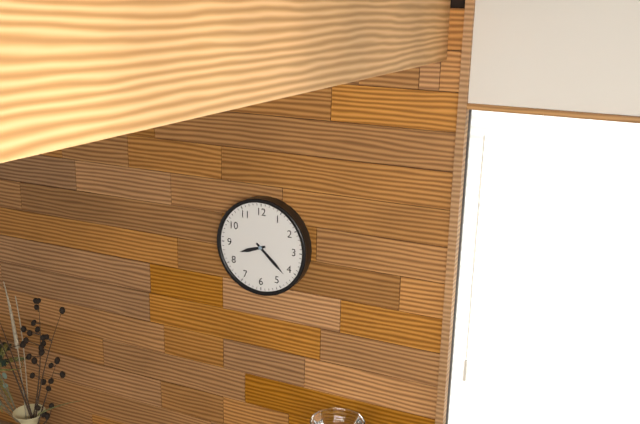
h=8 m=22
